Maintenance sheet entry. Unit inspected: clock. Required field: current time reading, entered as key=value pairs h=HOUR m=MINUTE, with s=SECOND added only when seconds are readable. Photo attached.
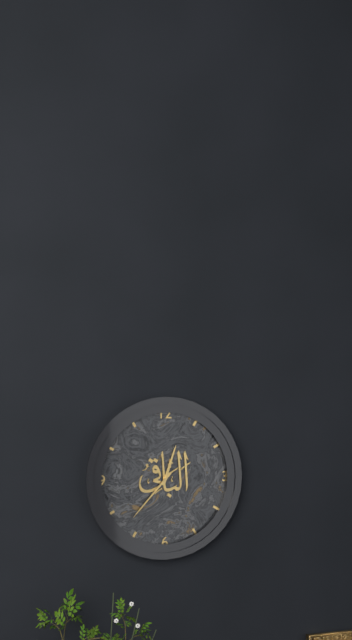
h=12 m=37
